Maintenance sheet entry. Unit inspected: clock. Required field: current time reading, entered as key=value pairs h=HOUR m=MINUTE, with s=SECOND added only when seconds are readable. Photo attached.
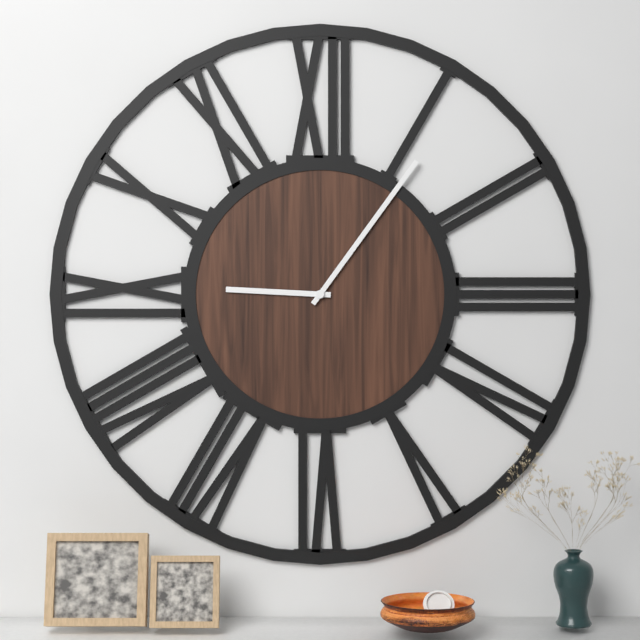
h=9 m=6
